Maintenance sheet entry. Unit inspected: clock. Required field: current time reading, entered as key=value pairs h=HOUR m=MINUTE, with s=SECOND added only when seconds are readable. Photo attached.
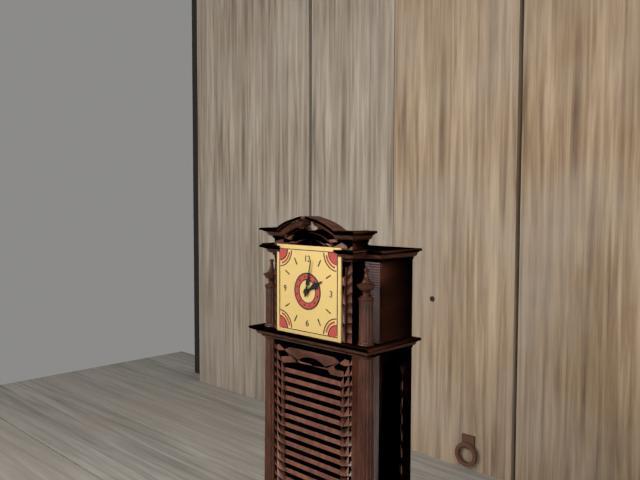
h=2 m=2
